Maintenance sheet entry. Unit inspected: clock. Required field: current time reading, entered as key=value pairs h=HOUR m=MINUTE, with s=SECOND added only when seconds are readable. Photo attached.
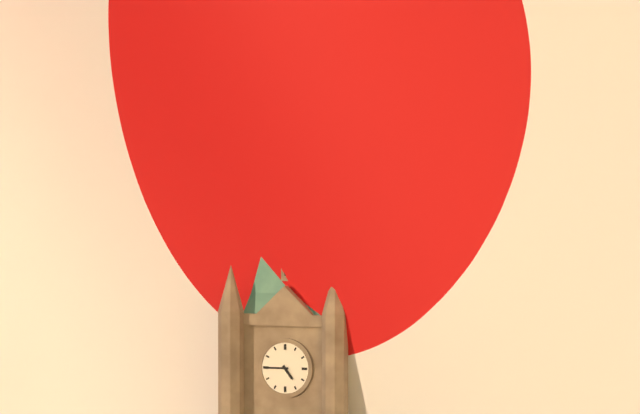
h=4 m=45
